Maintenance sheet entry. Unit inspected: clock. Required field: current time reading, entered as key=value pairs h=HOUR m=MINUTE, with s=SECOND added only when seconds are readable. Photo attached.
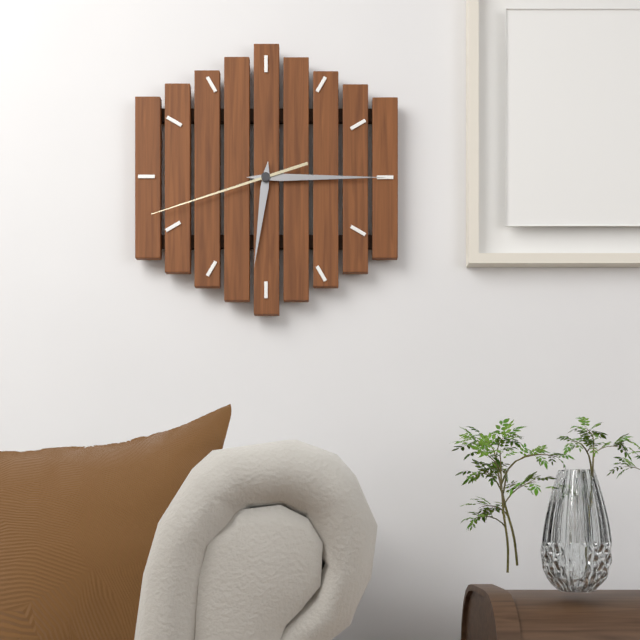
h=6 m=15 s=42
